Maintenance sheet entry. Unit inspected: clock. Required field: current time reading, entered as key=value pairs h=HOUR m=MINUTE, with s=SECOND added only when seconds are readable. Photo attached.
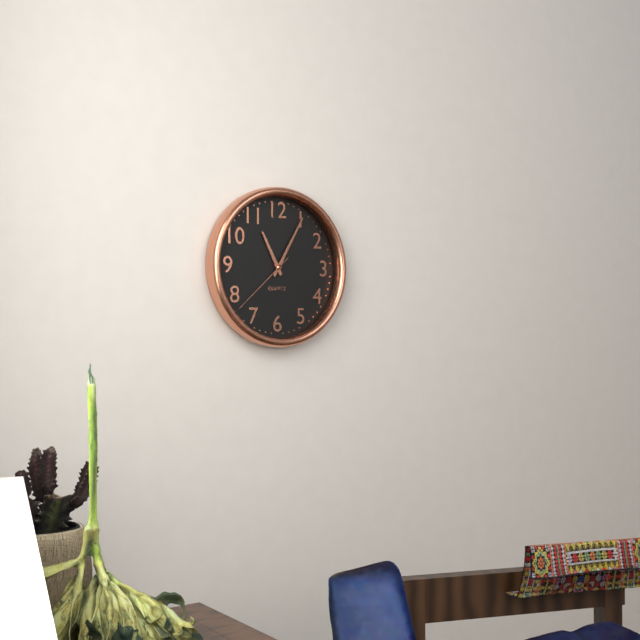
h=11 m=5 s=38
